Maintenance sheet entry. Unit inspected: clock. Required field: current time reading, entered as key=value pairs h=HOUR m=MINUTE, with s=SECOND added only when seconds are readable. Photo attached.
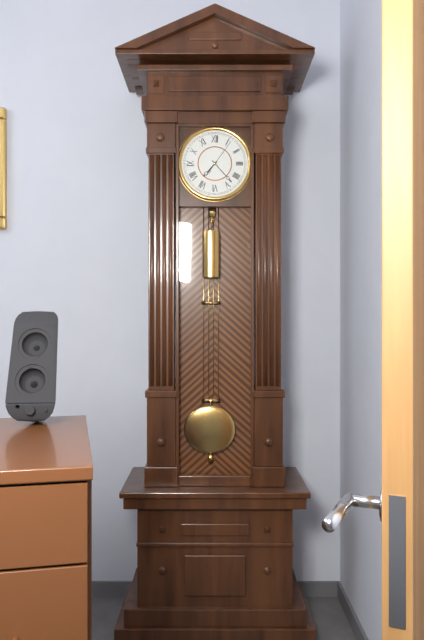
h=7 m=23
